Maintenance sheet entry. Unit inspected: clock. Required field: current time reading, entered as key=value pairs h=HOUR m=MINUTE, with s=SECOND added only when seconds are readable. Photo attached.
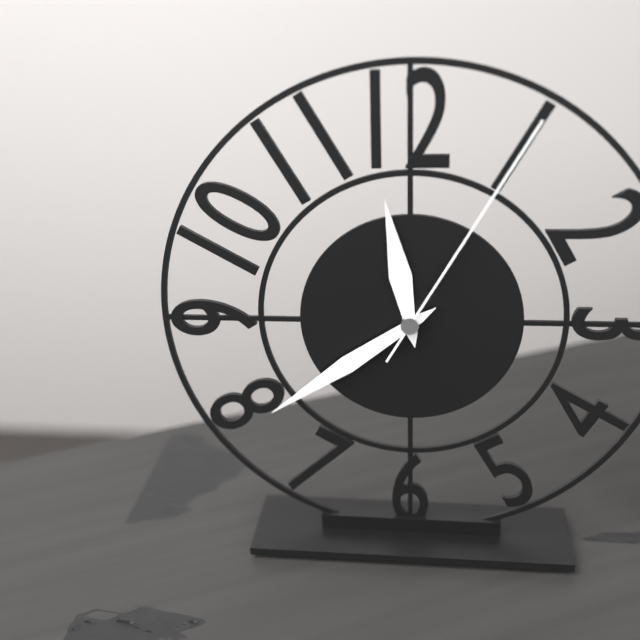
h=11 m=39 s=5
